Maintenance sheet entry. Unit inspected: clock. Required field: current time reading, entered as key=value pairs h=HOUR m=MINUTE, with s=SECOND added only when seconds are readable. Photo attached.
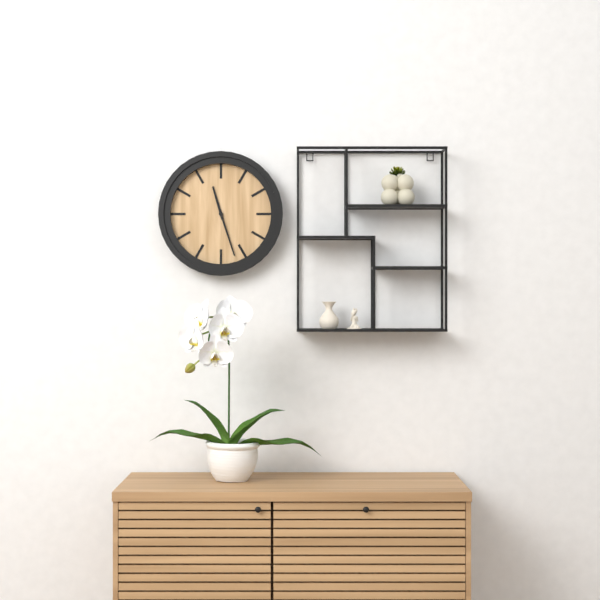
h=11 m=27
